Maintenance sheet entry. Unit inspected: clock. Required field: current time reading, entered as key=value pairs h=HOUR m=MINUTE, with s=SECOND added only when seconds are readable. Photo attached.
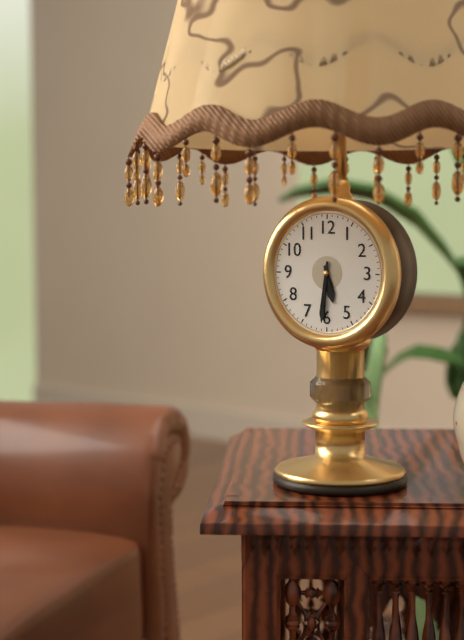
h=5 m=31
